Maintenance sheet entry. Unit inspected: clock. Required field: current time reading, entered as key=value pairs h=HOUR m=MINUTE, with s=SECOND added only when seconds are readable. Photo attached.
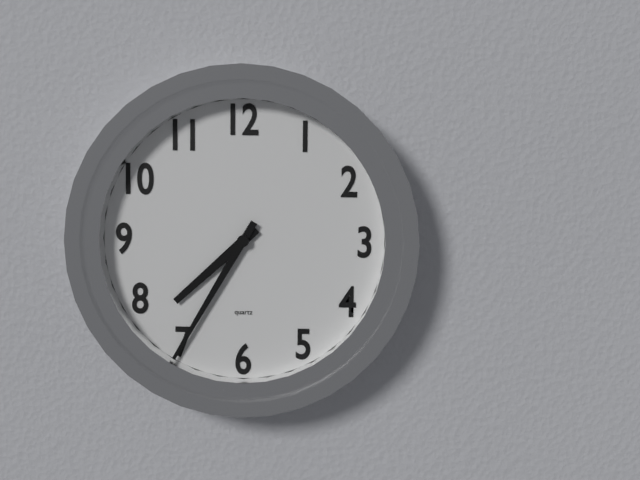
h=7 m=35
